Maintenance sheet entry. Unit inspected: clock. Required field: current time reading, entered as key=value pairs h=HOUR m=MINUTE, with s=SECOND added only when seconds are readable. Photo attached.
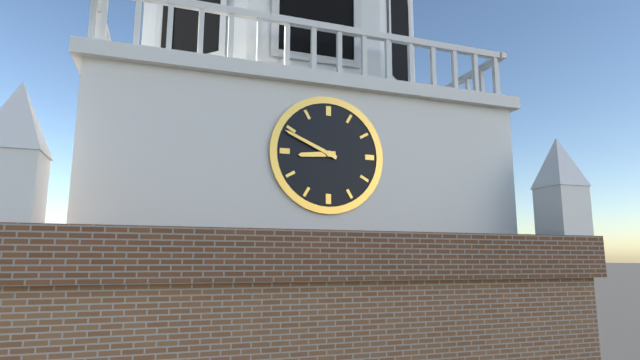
h=8 m=49
